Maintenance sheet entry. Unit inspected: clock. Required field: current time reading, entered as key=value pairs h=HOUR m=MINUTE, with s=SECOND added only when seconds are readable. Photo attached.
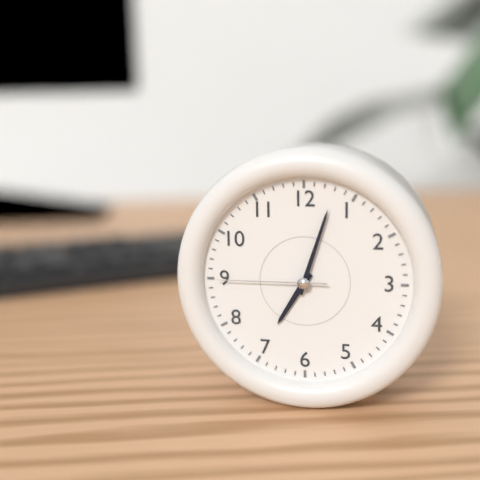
h=7 m=3 s=45
